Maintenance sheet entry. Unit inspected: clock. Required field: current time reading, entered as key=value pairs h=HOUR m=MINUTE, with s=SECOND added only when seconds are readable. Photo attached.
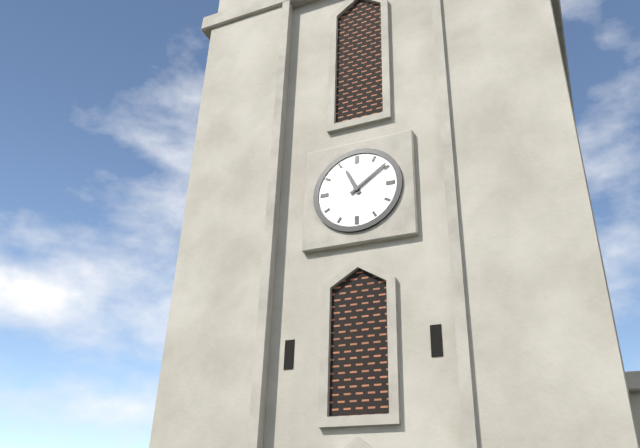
h=11 m=9
